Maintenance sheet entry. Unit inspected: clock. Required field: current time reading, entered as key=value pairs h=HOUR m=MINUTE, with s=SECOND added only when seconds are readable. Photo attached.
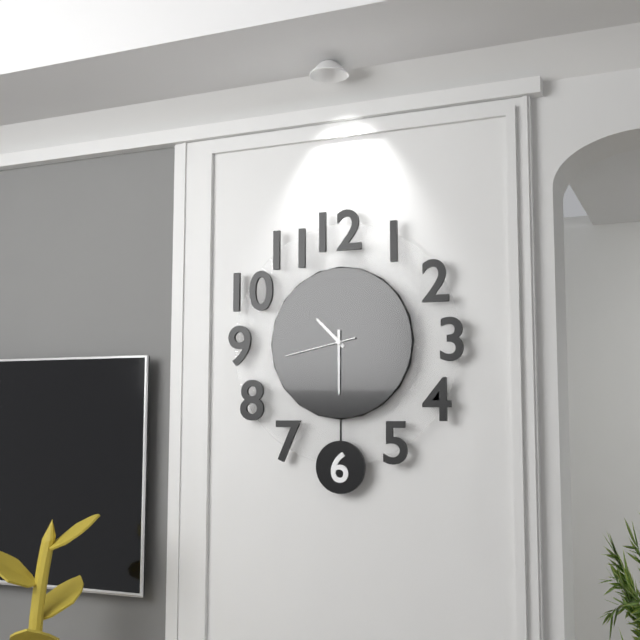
h=10 m=30 s=43
